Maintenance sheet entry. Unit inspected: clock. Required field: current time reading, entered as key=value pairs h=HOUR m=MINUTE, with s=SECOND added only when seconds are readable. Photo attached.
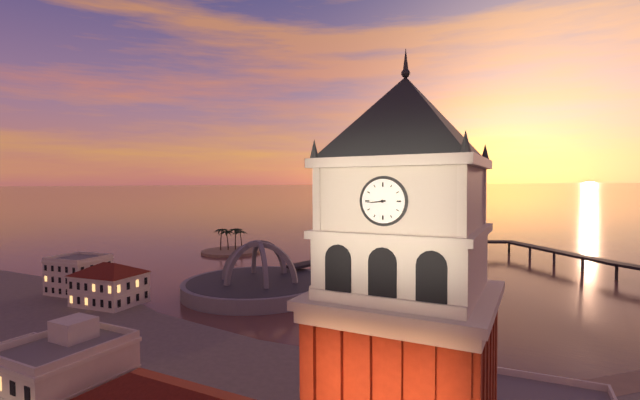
h=8 m=44
